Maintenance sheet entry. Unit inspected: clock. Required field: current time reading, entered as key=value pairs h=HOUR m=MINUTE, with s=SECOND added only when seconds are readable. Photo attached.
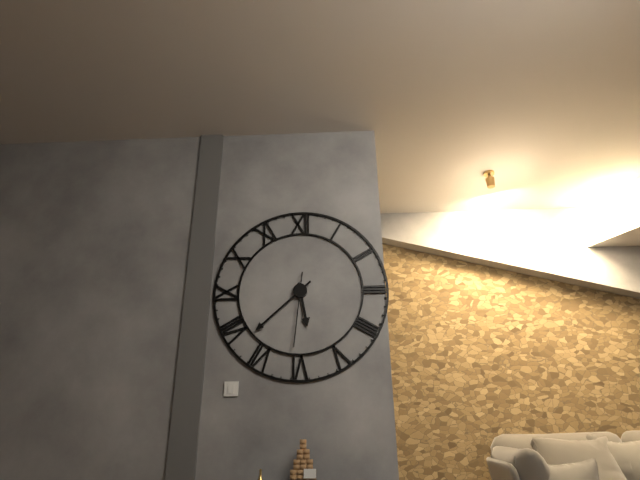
h=5 m=38 s=31
